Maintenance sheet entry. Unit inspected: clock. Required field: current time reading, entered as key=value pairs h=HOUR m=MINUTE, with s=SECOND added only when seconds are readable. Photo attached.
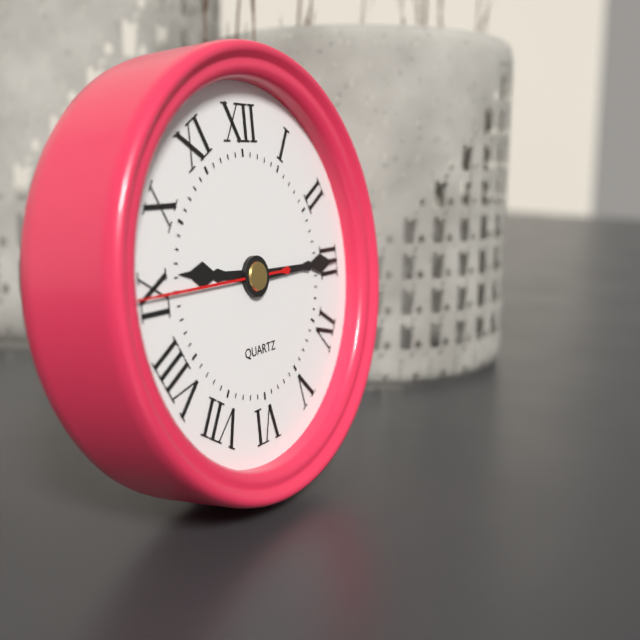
h=9 m=15 s=45
